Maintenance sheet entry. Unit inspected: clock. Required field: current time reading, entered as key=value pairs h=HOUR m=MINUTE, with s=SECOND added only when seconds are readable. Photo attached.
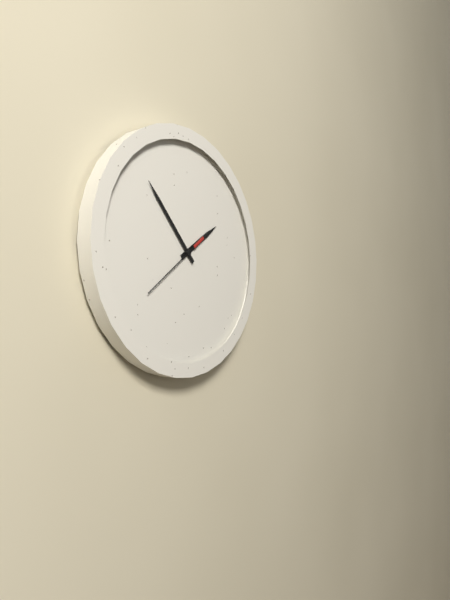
h=1 m=53 s=39
